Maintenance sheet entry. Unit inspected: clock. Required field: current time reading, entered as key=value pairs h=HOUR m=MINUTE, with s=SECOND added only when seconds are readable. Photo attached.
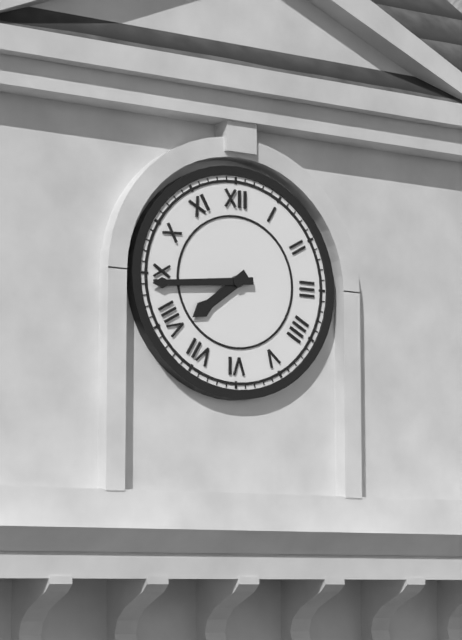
h=7 m=44
